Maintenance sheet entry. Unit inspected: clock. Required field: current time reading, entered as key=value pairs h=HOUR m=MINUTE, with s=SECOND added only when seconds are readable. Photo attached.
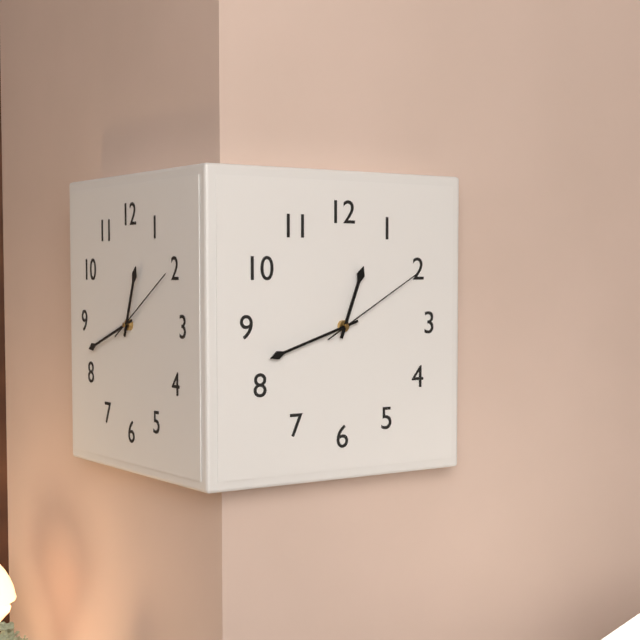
h=12 m=42 s=10
